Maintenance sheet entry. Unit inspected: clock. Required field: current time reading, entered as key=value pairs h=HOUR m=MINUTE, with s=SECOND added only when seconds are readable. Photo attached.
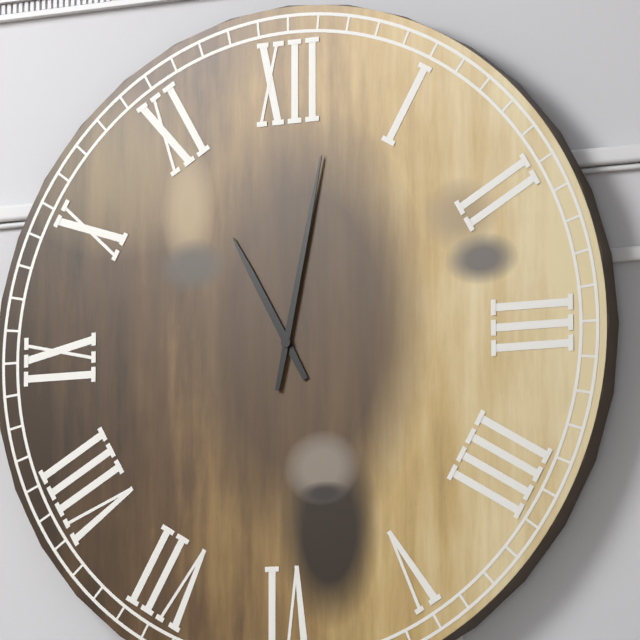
h=11 m=2
